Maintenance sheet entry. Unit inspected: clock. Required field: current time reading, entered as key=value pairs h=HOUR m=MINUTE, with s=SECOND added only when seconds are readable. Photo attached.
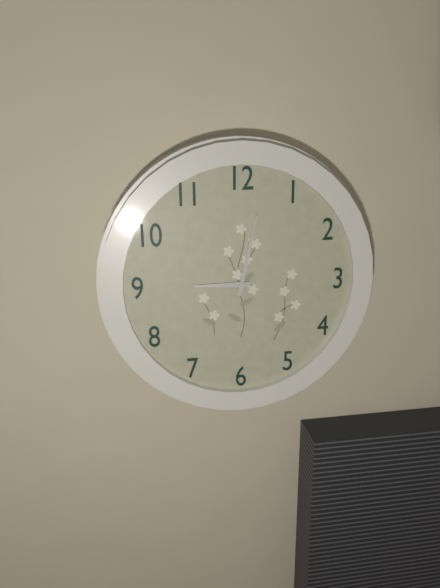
h=9 m=2
